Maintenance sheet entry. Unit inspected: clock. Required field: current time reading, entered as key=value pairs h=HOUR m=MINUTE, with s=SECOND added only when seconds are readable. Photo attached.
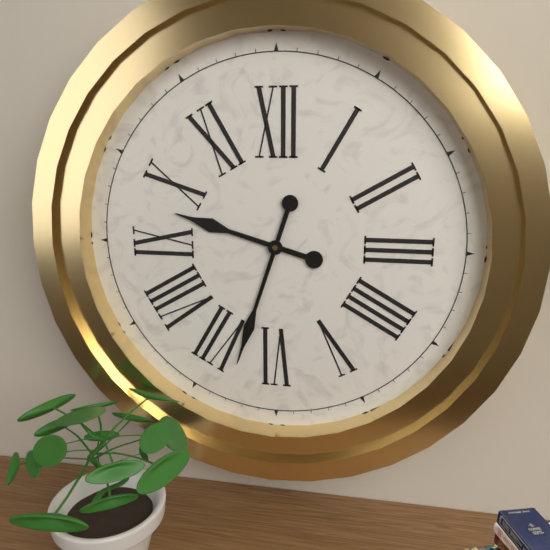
h=9 m=33
